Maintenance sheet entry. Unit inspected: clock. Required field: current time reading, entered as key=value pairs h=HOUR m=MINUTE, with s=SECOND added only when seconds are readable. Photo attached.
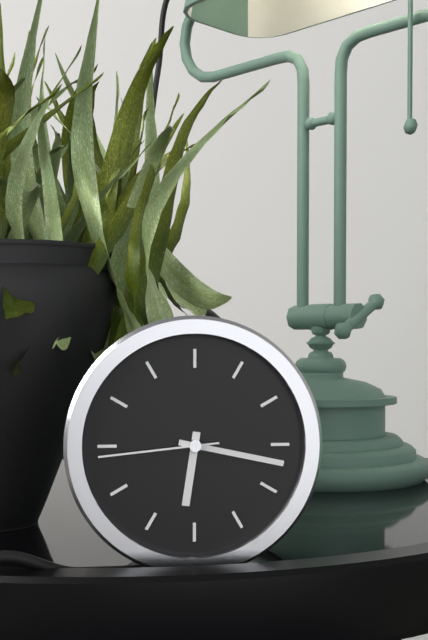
h=6 m=17 s=44
